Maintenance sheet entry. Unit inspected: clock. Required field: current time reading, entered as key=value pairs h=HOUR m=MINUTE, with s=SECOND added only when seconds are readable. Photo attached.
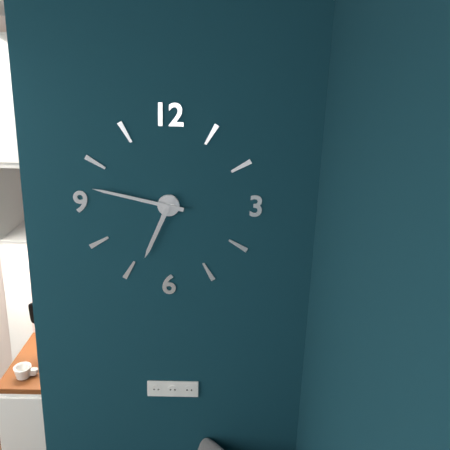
h=6 m=47
